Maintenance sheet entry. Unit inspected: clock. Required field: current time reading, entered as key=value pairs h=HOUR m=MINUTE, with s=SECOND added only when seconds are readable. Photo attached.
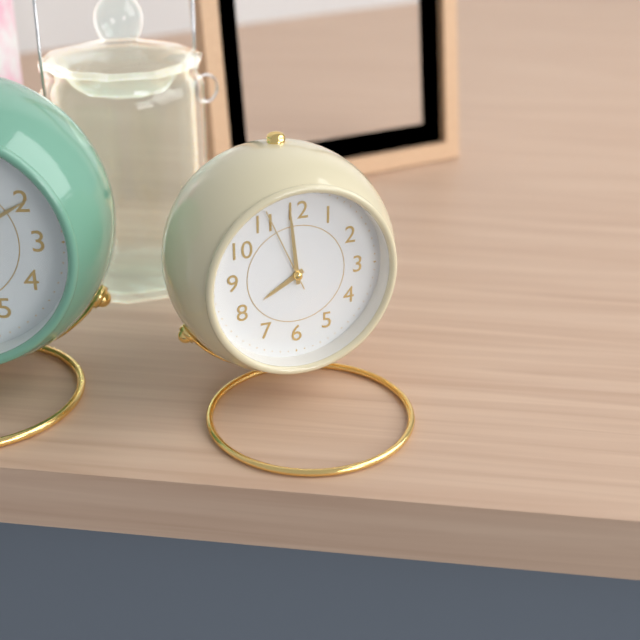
h=7 m=59 s=56
